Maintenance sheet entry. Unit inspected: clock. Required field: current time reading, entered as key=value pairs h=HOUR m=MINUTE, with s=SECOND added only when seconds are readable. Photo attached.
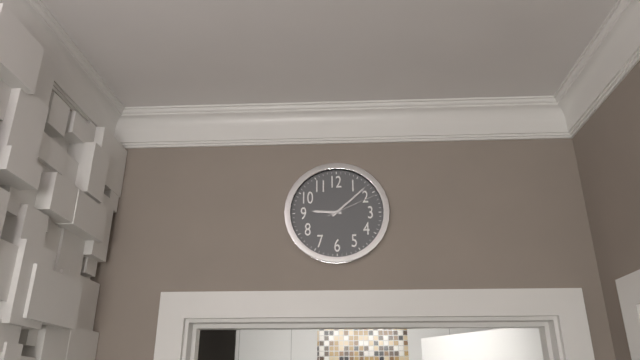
h=9 m=8 s=11
